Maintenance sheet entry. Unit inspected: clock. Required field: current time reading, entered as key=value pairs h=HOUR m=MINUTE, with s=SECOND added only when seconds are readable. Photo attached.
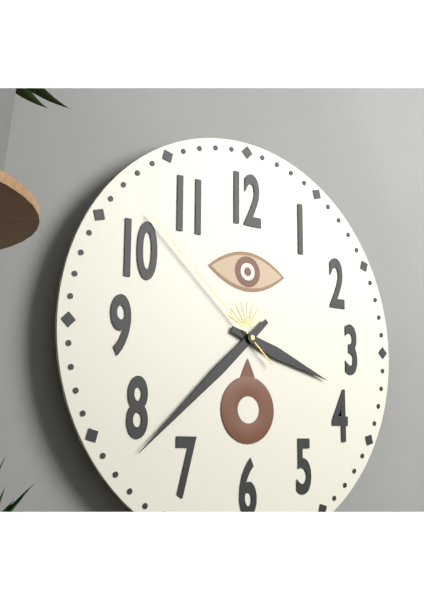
h=3 m=38 s=52
